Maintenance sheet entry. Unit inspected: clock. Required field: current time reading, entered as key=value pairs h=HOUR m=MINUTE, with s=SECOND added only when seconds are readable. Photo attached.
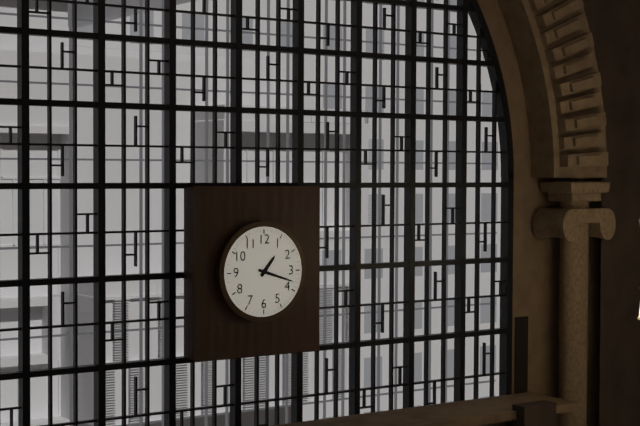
h=1 m=18
